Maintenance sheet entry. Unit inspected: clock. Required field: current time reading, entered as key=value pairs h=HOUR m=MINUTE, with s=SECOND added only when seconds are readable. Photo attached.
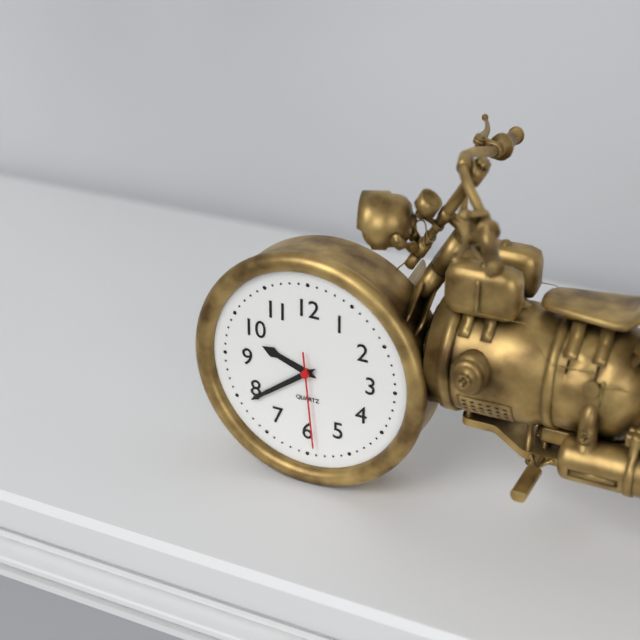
h=9 m=39 s=29
